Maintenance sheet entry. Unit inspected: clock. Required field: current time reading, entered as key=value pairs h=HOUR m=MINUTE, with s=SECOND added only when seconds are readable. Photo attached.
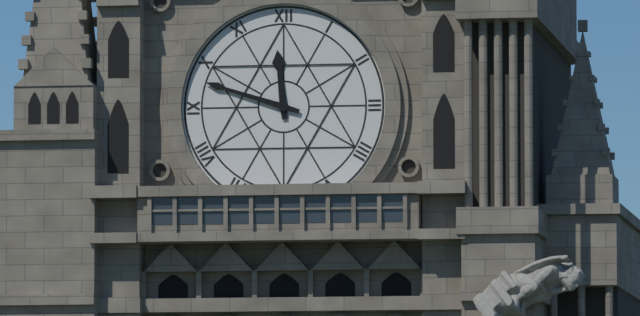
h=11 m=48
